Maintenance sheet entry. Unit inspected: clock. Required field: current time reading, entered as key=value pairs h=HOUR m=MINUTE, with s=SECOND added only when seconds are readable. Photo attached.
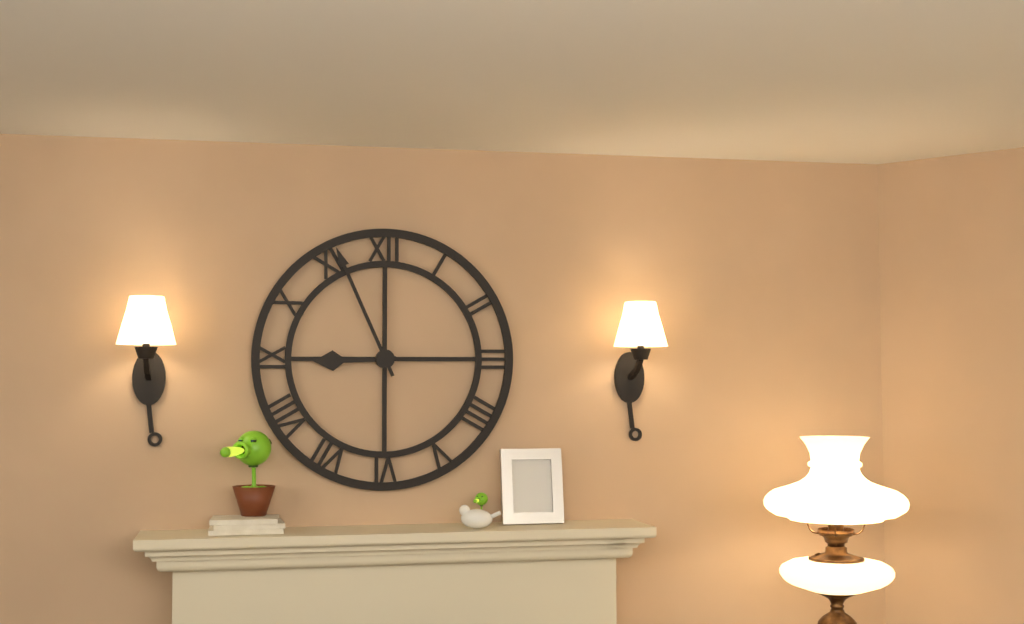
h=8 m=56
